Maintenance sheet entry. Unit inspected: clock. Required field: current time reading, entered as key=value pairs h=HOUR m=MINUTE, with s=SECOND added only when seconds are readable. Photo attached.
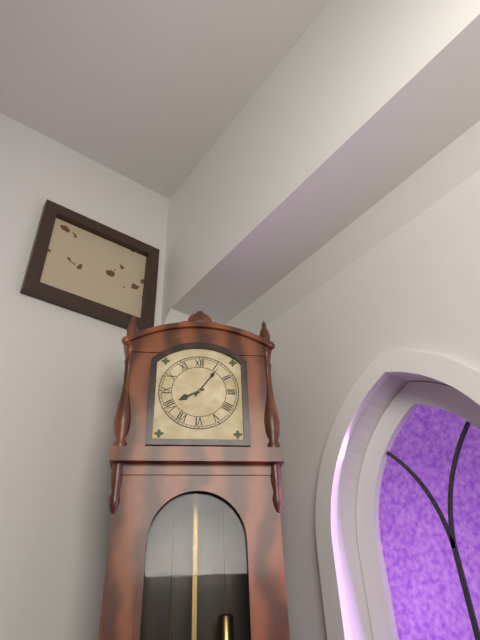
h=8 m=6
